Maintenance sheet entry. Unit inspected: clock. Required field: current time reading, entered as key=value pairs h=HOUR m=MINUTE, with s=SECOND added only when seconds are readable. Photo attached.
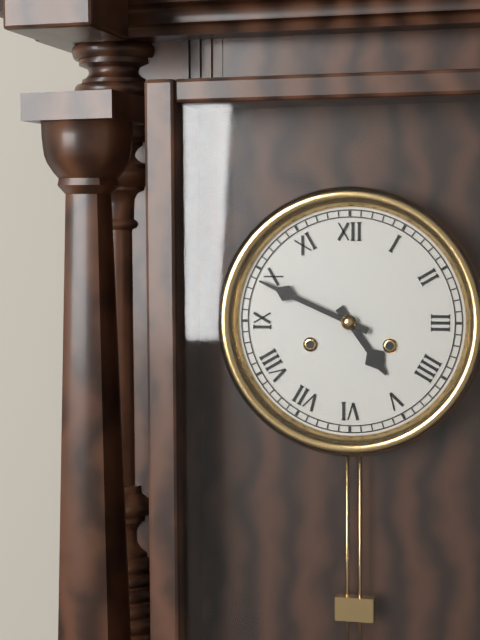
h=4 m=49
